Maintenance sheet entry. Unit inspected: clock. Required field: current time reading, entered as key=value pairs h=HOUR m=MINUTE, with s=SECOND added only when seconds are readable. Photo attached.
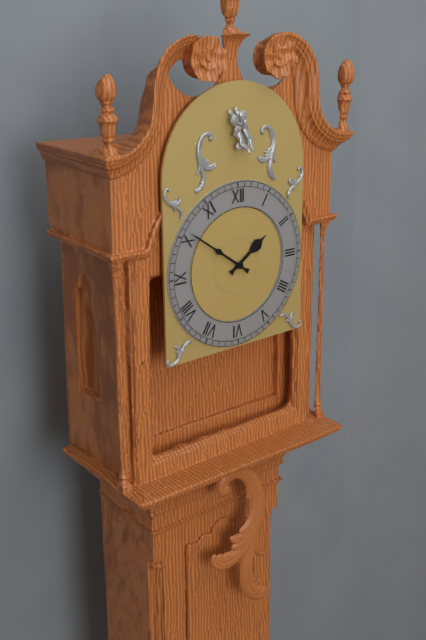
h=1 m=51
